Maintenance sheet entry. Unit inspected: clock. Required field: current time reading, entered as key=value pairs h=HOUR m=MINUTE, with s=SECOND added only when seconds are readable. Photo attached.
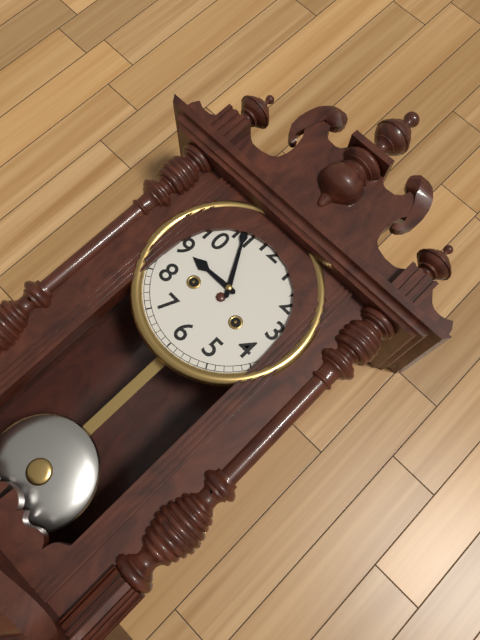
h=8 m=55
